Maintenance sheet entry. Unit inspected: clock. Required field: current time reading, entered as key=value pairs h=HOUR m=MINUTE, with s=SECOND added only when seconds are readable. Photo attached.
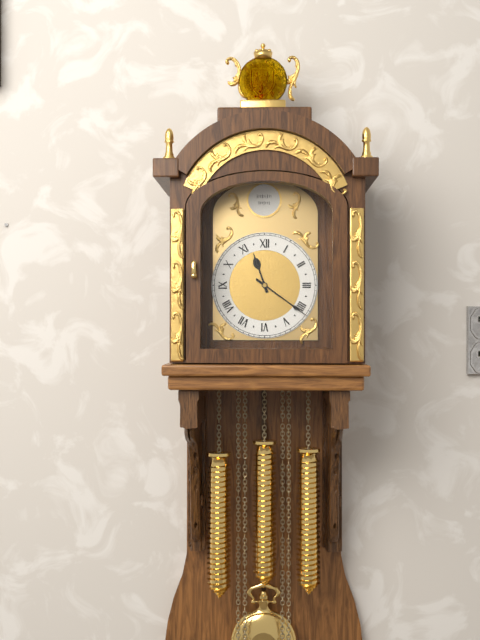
h=11 m=21
